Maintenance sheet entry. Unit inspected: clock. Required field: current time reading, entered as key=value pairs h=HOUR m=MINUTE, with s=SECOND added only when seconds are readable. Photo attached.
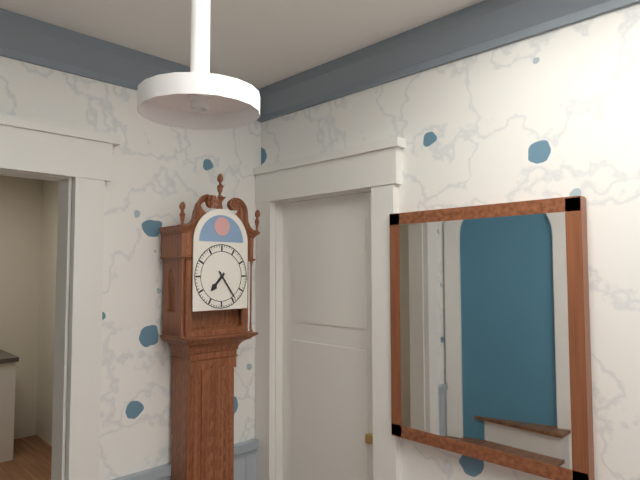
h=7 m=24
